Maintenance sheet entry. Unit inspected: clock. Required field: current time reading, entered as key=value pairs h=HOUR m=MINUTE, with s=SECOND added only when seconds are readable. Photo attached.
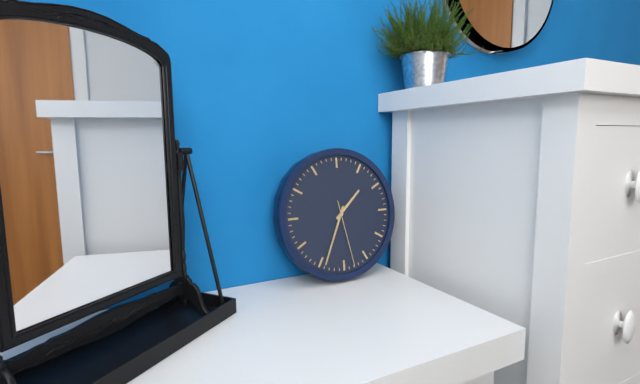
h=1 m=34 s=28
